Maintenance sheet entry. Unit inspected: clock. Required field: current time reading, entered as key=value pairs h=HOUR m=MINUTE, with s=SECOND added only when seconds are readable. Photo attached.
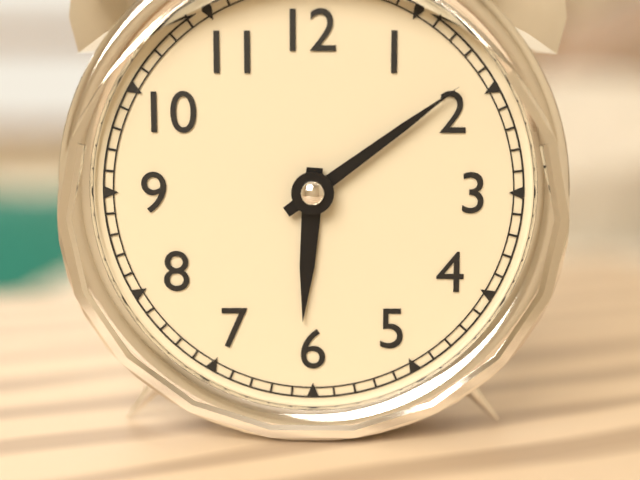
h=6 m=9
